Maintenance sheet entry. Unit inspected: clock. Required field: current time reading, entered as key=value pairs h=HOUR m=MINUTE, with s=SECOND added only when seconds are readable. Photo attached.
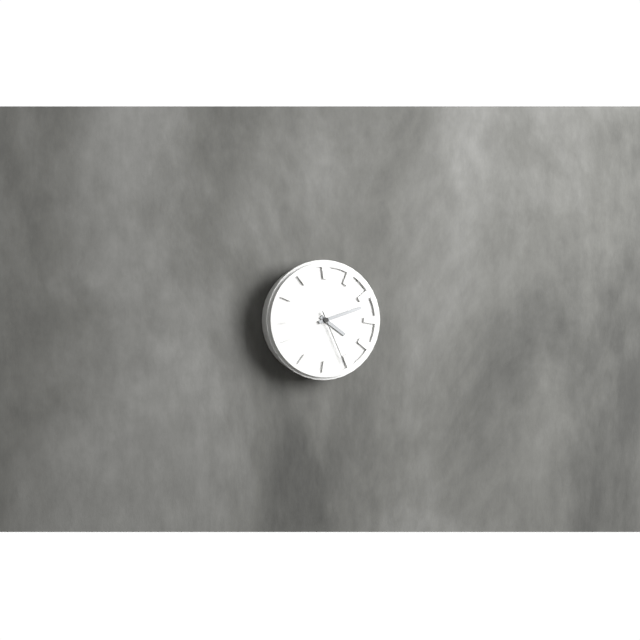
h=4 m=12 s=26
